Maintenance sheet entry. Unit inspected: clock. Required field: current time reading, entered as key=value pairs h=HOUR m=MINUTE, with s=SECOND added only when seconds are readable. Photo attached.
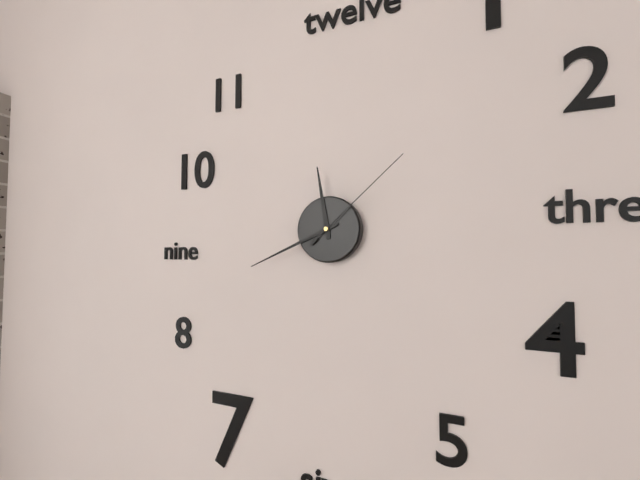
h=11 m=41 s=8
